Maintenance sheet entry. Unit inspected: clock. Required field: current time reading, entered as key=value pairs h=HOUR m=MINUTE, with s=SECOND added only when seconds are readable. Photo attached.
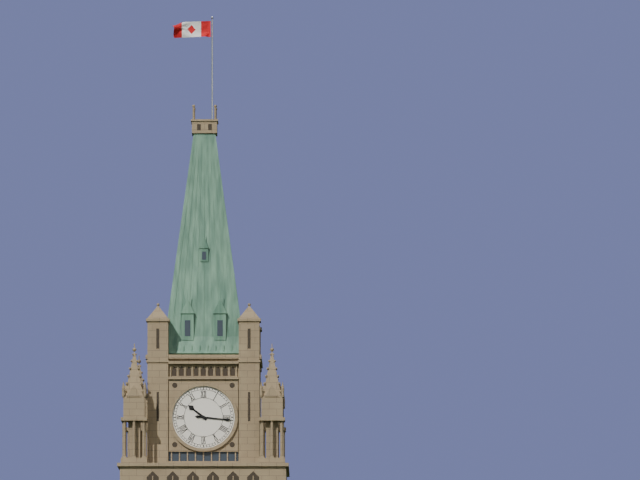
h=10 m=16
